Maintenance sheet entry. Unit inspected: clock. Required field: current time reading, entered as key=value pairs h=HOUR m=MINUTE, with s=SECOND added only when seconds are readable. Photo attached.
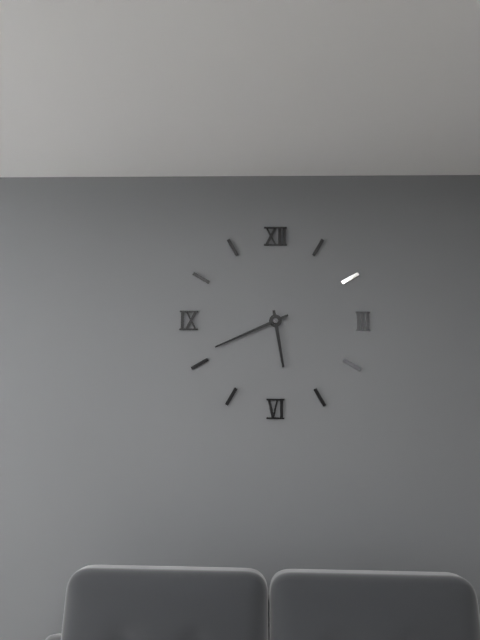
h=5 m=41
